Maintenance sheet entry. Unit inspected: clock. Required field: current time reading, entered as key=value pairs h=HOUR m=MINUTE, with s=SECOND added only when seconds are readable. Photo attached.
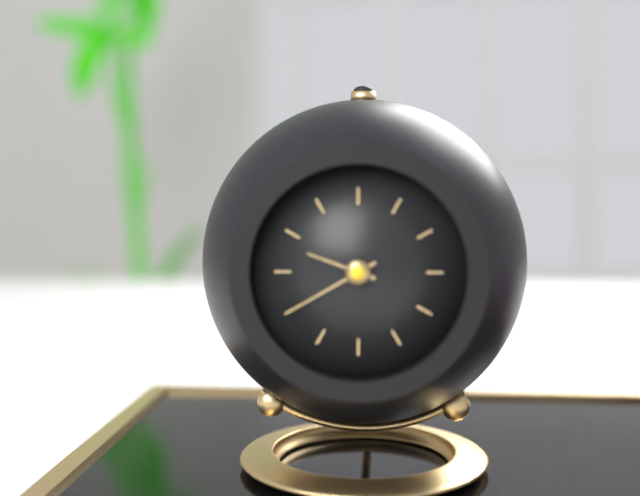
h=9 m=40
